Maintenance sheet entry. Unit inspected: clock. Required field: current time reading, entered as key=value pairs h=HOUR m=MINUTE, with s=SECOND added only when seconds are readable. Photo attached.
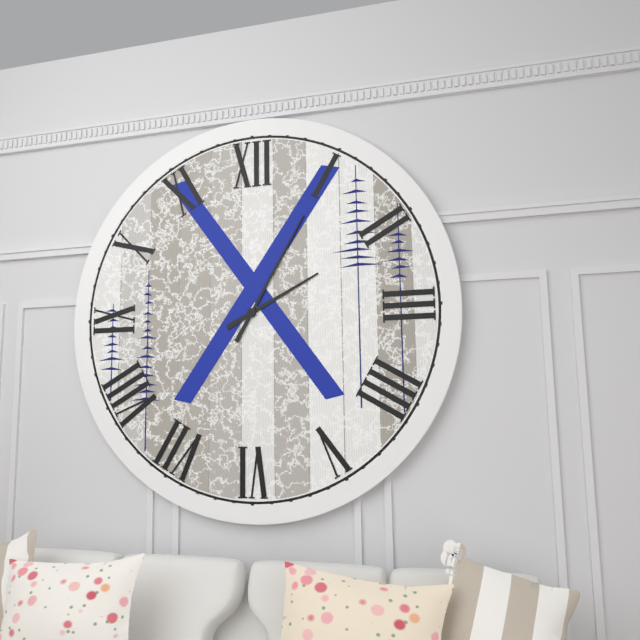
h=2 m=5
